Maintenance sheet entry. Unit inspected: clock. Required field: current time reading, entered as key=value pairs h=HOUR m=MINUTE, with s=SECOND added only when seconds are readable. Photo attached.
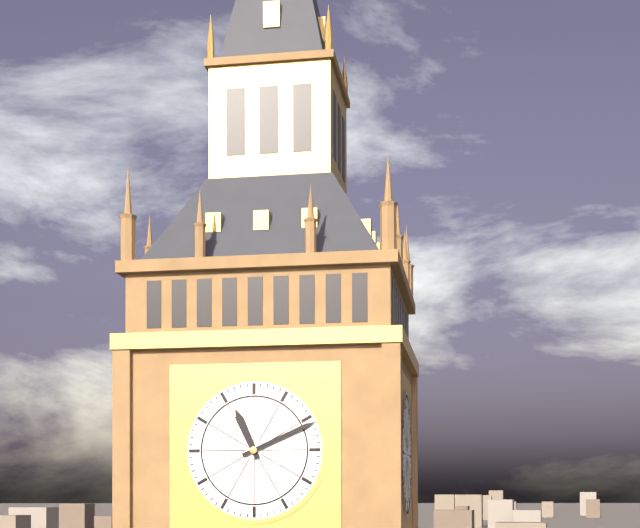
h=11 m=11
